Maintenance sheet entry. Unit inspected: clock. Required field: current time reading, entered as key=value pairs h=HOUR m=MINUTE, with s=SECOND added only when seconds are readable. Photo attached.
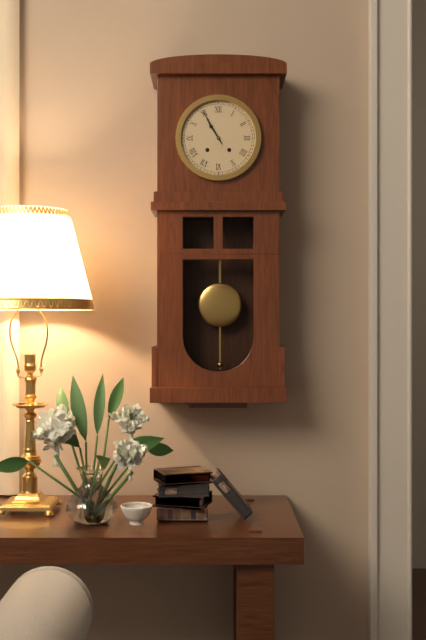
h=10 m=55
